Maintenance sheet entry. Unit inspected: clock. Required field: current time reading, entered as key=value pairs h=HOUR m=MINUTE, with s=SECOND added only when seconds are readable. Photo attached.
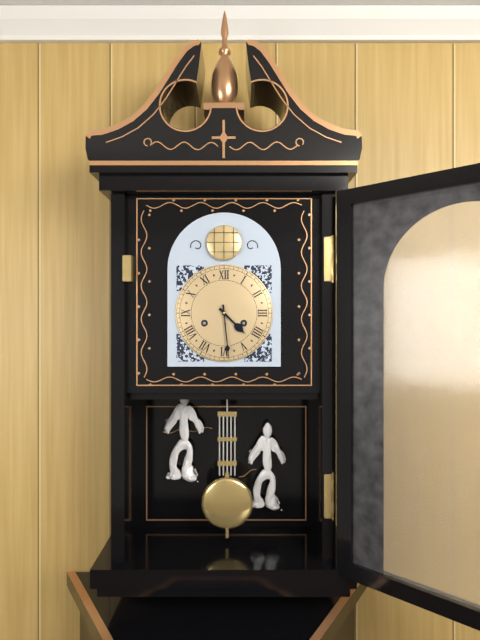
h=4 m=29
